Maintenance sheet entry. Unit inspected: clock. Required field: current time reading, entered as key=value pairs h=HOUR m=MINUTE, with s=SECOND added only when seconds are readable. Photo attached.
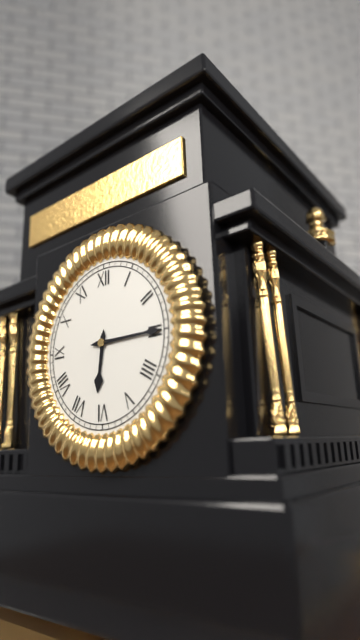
h=6 m=15
